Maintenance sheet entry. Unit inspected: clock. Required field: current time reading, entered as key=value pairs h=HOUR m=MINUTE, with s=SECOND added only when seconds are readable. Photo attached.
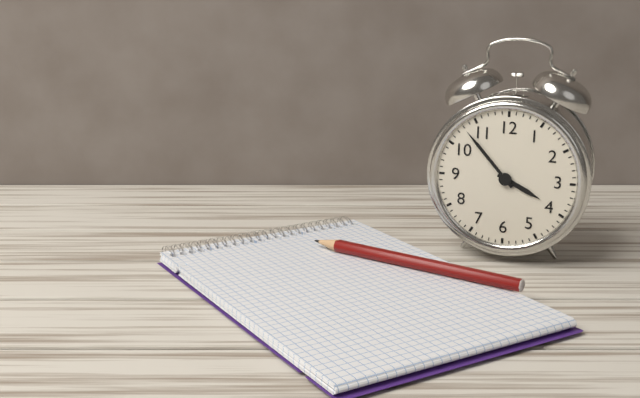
h=3 m=53
